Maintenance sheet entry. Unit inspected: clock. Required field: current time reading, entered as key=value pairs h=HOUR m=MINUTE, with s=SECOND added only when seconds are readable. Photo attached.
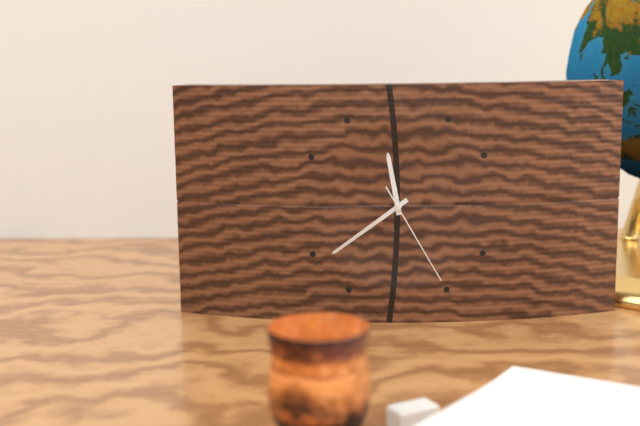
h=11 m=39 s=25
